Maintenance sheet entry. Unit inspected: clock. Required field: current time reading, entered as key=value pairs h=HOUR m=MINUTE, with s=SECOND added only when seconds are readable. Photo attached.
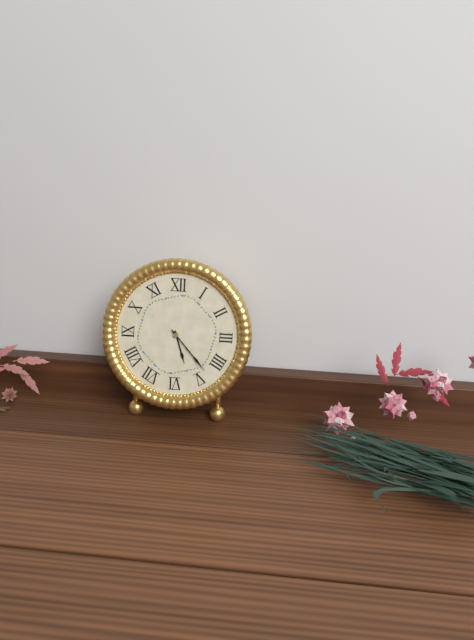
h=5 m=23
